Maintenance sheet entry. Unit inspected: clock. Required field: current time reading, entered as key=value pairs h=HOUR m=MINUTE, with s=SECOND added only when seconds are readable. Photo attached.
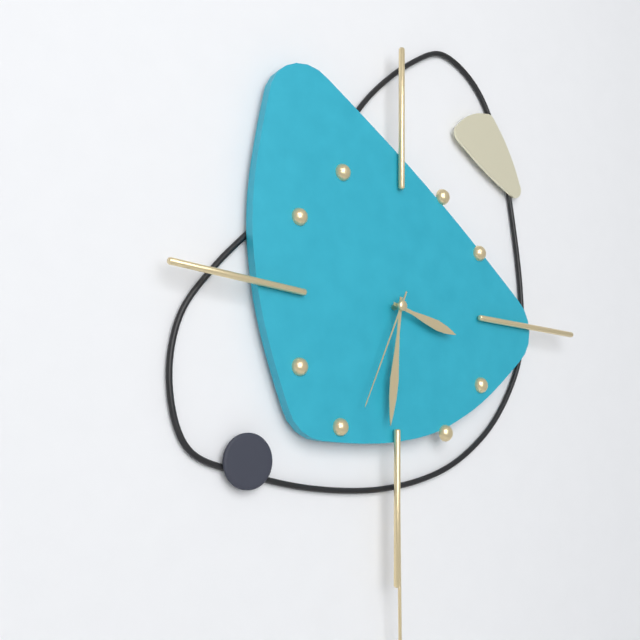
h=3 m=31 s=34
